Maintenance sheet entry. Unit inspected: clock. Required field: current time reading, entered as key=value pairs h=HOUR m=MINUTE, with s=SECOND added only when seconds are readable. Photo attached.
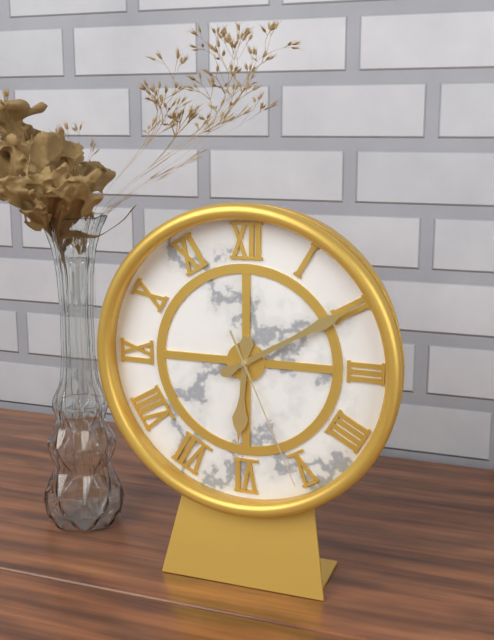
h=6 m=10 s=26
